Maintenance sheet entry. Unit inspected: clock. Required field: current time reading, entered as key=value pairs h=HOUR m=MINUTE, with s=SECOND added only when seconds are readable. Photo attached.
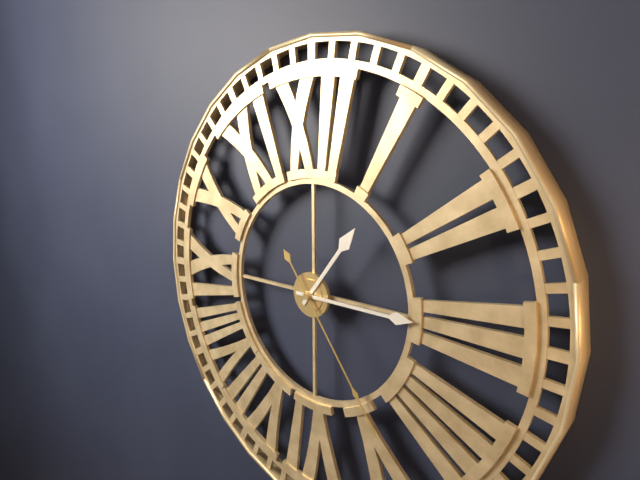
h=1 m=15 s=24
